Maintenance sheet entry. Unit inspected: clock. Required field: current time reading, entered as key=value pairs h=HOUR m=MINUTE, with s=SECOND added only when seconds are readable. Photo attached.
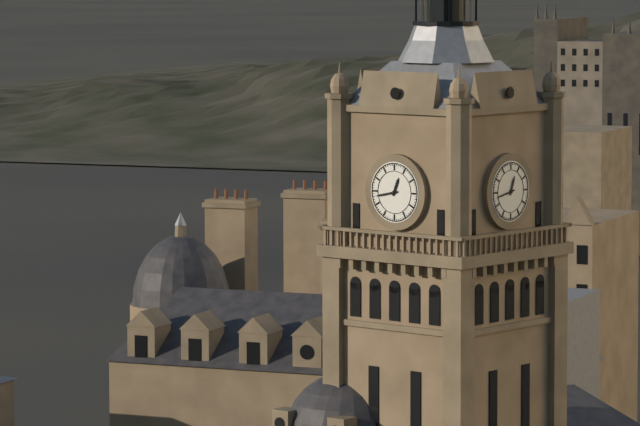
h=12 m=43
